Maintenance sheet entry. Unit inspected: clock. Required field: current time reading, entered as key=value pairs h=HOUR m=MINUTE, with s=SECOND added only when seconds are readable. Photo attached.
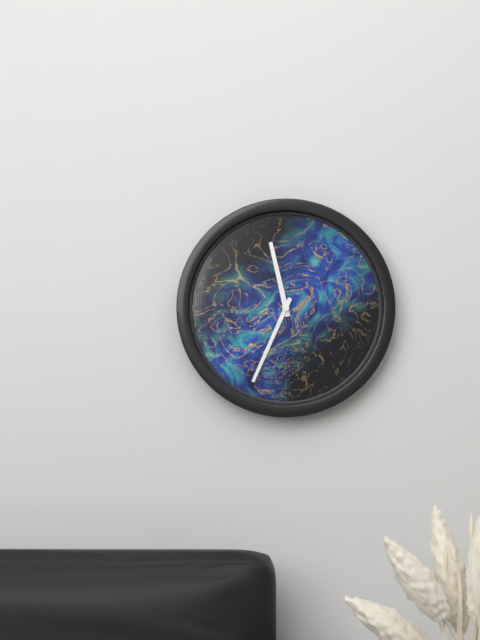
h=11 m=34
